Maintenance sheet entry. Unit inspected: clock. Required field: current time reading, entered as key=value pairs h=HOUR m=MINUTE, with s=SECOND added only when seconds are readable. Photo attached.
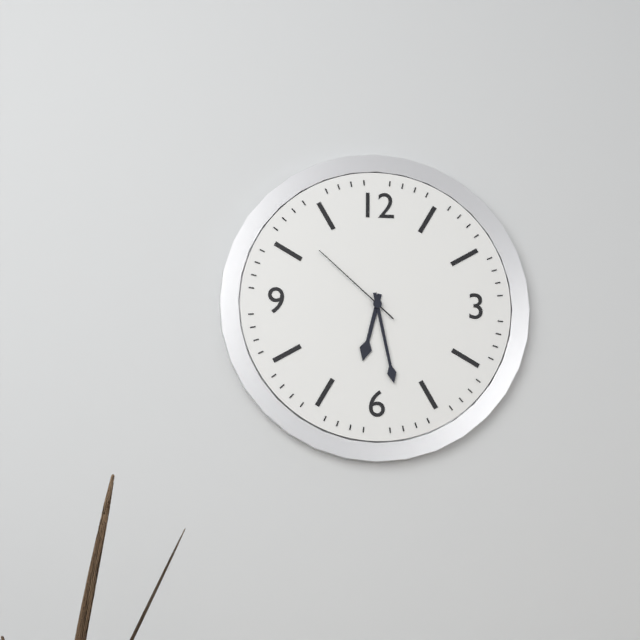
h=6 m=28 s=52
